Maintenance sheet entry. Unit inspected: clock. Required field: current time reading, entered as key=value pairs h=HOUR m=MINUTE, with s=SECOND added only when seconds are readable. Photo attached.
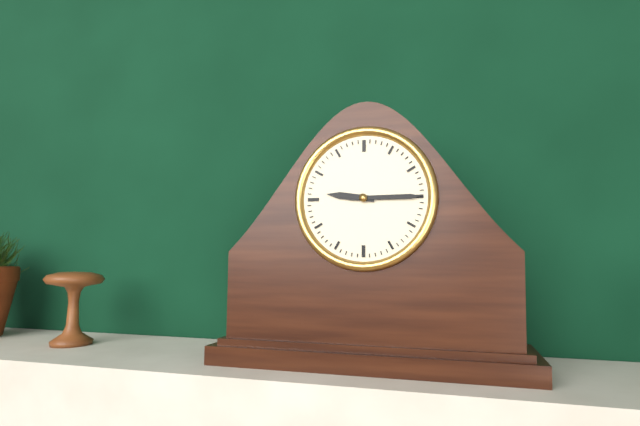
h=9 m=15
